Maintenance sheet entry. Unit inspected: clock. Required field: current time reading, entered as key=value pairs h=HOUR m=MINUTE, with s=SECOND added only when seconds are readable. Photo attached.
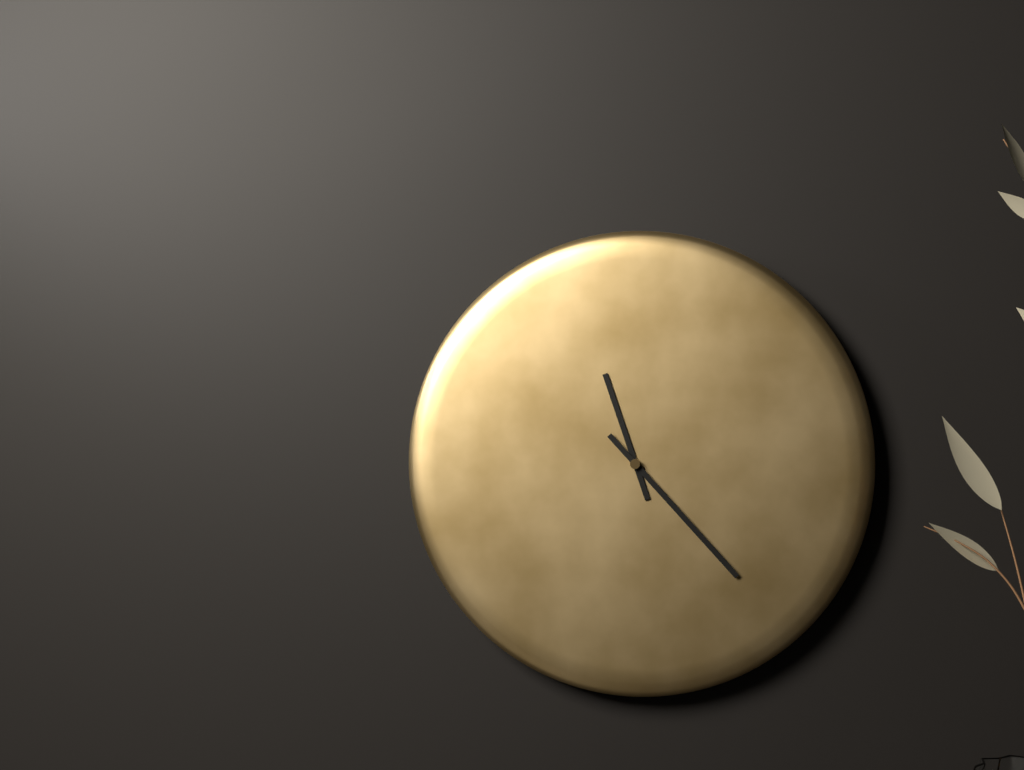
h=11 m=23
